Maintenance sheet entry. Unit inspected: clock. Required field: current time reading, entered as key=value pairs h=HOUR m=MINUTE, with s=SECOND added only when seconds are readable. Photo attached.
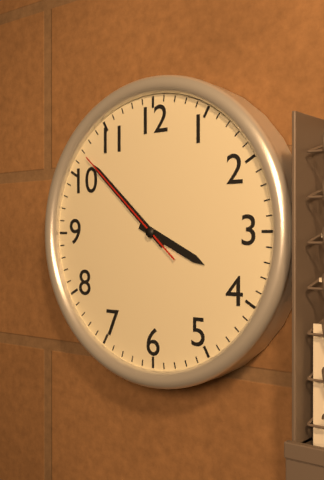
h=3 m=52 s=52
